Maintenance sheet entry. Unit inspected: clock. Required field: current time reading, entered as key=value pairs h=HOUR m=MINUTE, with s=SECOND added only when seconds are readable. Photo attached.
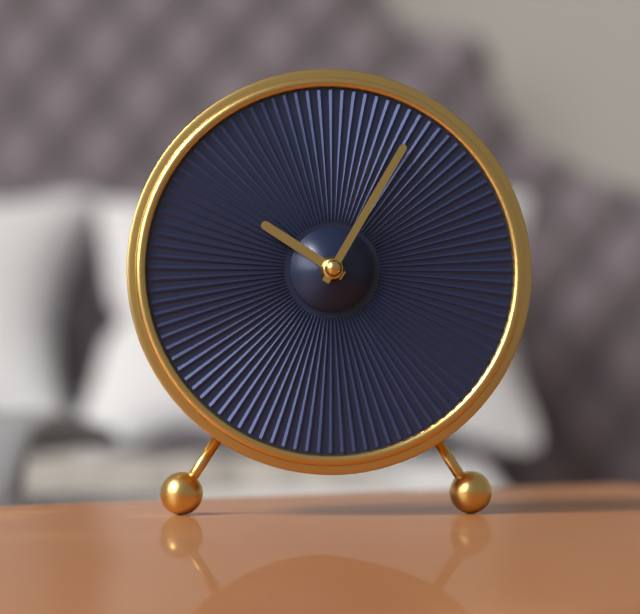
h=10 m=5
